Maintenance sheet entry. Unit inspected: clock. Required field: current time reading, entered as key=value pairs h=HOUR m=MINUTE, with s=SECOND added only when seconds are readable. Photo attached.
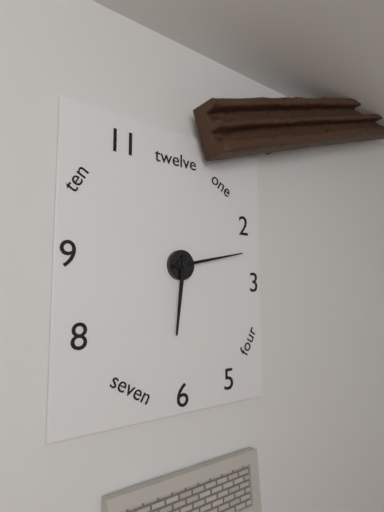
h=6 m=13
